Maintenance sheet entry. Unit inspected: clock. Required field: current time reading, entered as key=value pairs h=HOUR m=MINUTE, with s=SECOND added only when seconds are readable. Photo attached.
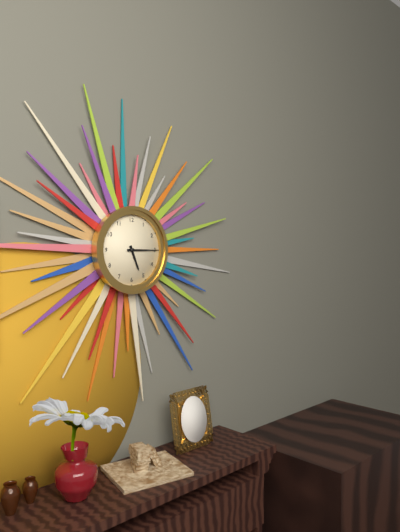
h=5 m=15
